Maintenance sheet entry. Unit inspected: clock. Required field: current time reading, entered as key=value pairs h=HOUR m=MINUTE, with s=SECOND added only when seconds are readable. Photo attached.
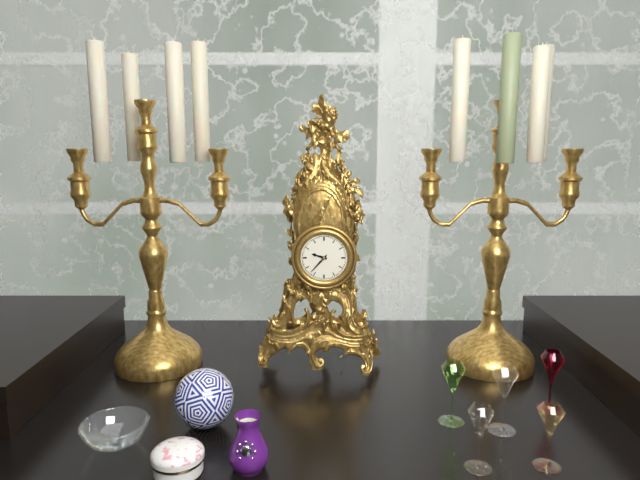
h=9 m=37
